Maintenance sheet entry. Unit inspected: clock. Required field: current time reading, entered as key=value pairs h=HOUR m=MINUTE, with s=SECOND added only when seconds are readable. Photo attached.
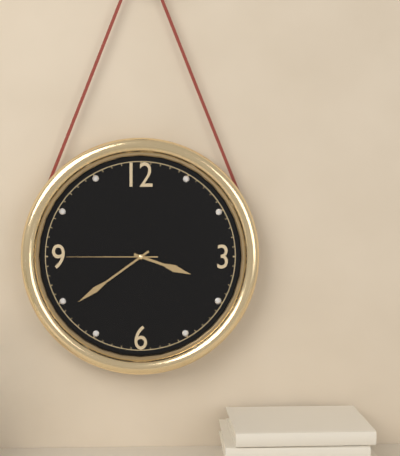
h=3 m=39 s=45
